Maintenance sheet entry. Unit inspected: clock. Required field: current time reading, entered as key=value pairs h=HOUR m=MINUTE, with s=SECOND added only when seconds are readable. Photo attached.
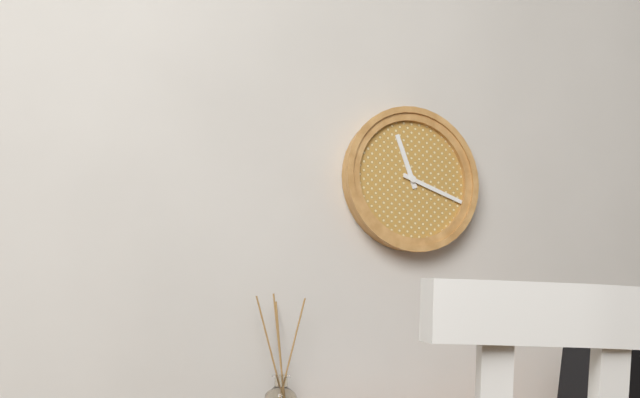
h=11 m=18
